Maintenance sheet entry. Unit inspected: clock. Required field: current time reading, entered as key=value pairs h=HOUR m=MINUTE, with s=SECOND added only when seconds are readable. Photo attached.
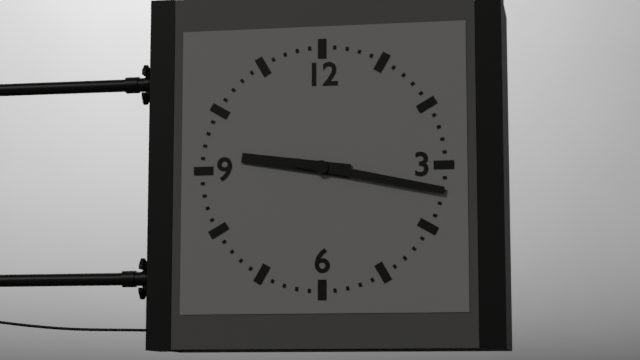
h=9 m=17
